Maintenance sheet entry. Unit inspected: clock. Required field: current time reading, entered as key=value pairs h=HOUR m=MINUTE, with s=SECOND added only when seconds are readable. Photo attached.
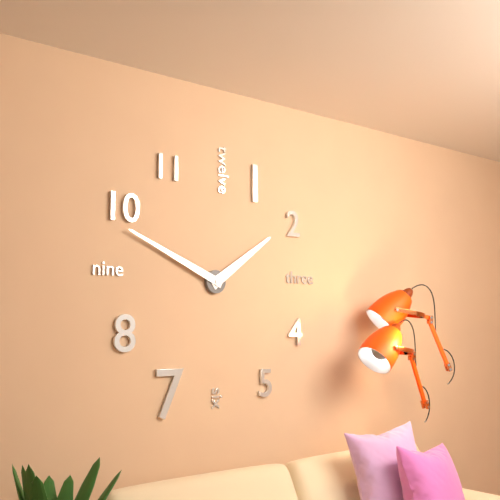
h=1 m=49
